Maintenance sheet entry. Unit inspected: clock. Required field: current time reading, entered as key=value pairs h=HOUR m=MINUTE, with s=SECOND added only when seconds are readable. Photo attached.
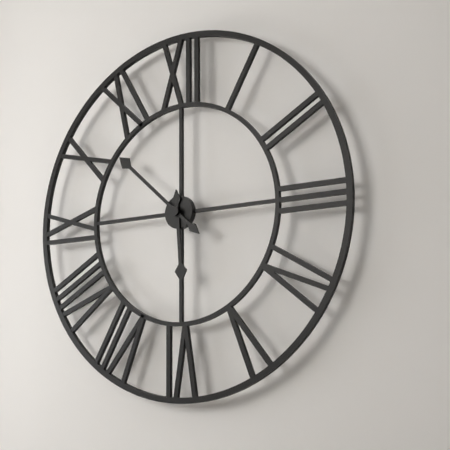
h=5 m=52
